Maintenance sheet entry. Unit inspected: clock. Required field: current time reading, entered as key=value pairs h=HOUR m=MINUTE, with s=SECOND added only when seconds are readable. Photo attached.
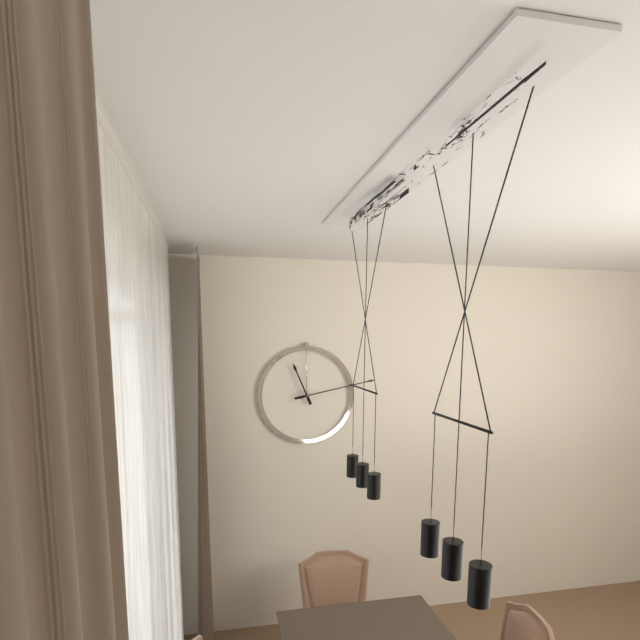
h=11 m=13
